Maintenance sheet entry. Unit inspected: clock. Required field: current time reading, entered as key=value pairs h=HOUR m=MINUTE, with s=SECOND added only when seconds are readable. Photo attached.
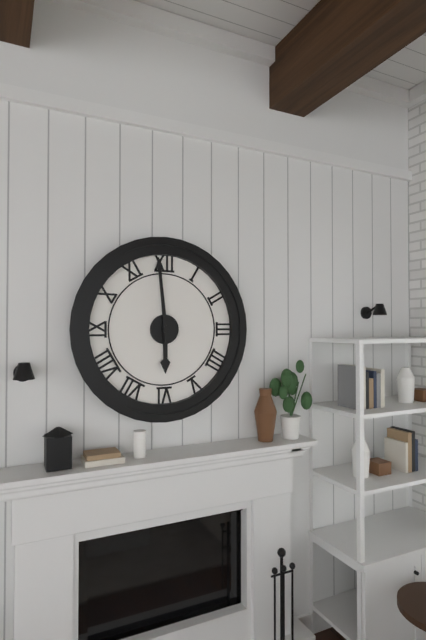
h=5 m=59
